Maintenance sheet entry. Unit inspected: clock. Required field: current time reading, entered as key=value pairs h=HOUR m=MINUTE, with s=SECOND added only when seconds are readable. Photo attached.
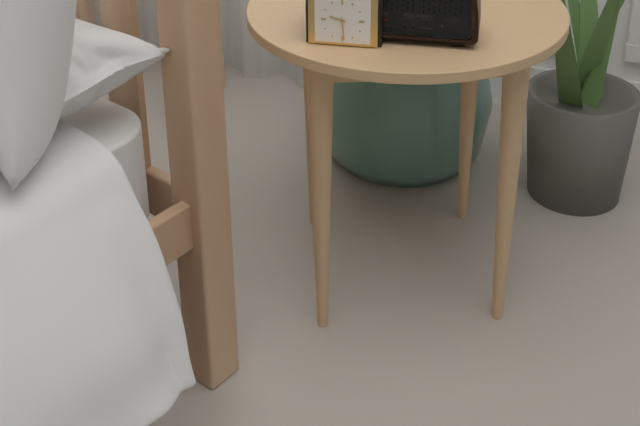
h=9 m=29
